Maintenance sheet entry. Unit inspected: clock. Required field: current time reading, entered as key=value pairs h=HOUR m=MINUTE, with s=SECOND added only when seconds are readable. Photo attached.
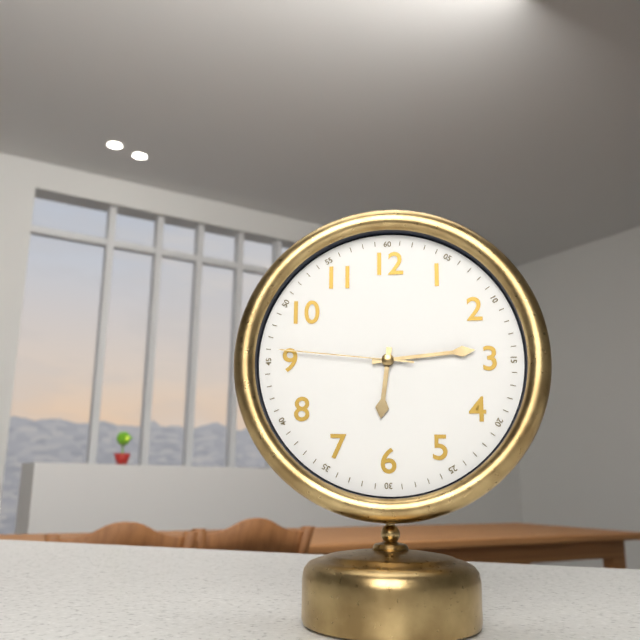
h=6 m=14 s=46
